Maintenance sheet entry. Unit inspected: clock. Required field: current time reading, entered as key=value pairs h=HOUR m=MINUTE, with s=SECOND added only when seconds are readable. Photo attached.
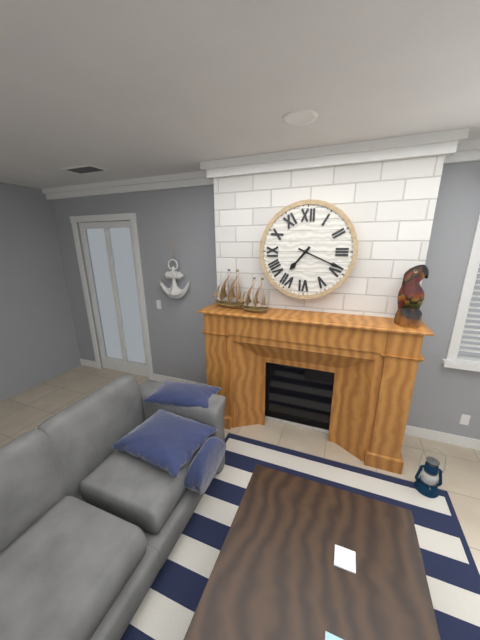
h=7 m=19
